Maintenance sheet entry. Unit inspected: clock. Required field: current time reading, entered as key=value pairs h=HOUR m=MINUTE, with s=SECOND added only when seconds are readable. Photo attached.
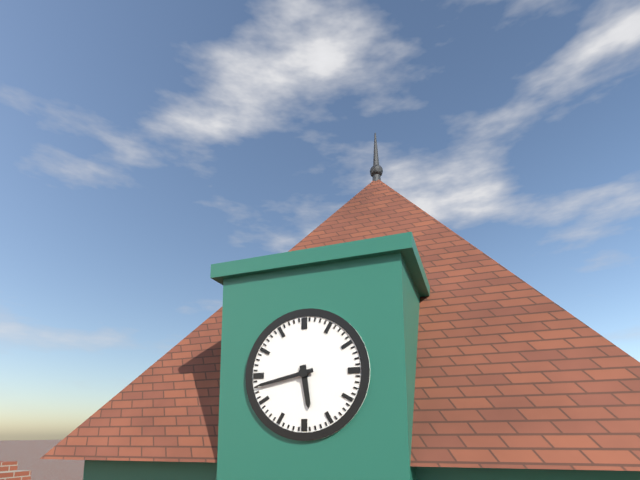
h=5 m=43
